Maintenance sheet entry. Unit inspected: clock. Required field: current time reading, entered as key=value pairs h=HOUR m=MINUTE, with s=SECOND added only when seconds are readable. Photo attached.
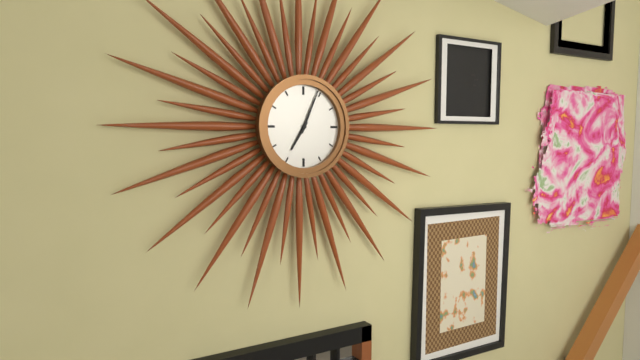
h=7 m=4
